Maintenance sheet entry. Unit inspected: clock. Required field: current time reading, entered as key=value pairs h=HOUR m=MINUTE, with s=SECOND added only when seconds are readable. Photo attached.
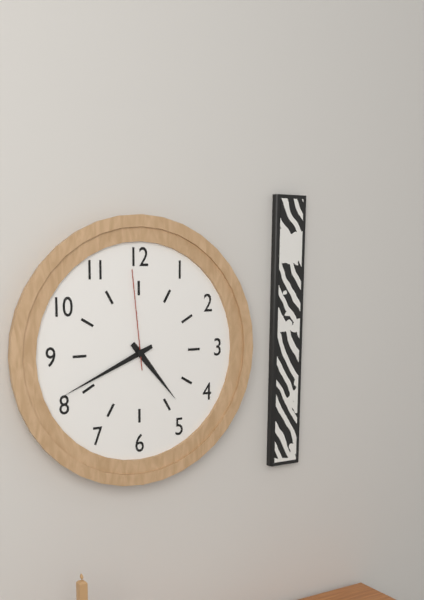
h=4 m=41 s=59
